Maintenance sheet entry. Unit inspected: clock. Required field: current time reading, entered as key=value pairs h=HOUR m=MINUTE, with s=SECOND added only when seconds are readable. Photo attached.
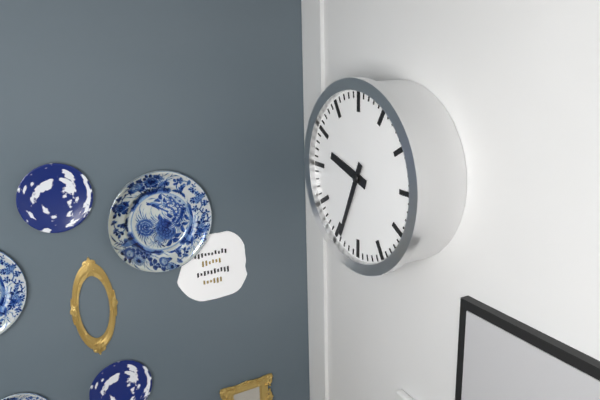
h=9 m=34
